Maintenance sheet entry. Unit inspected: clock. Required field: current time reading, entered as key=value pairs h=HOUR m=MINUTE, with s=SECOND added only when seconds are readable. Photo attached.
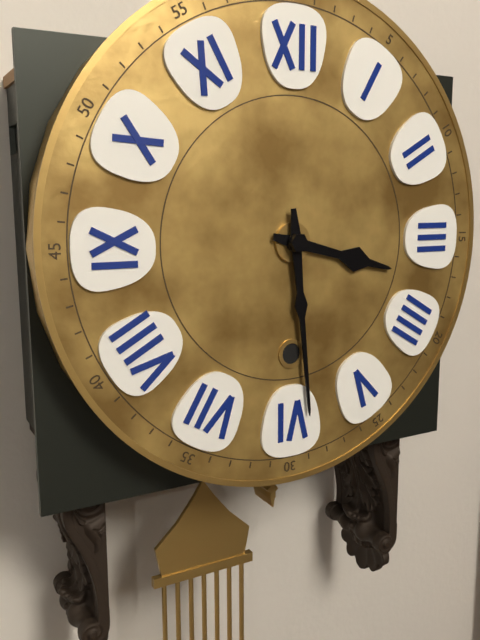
h=3 m=29
